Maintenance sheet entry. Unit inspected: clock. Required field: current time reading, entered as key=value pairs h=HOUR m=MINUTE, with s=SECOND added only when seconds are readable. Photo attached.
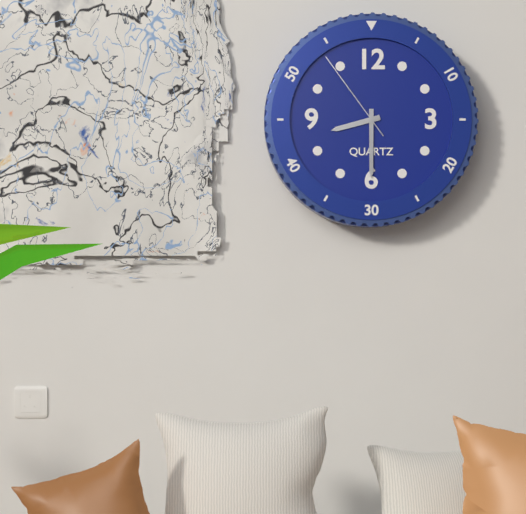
h=8 m=30 s=54
